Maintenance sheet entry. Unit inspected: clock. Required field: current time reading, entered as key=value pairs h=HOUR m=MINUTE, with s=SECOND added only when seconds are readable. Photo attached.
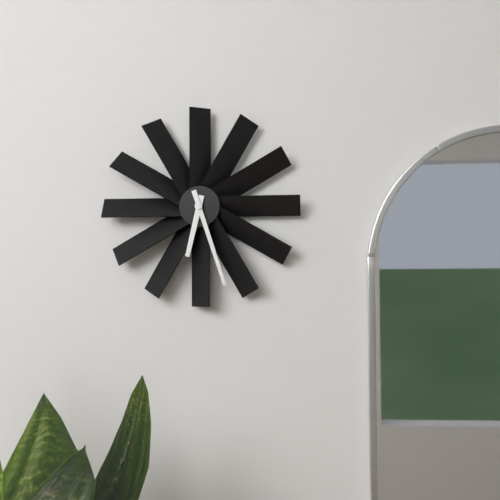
h=6 m=27
